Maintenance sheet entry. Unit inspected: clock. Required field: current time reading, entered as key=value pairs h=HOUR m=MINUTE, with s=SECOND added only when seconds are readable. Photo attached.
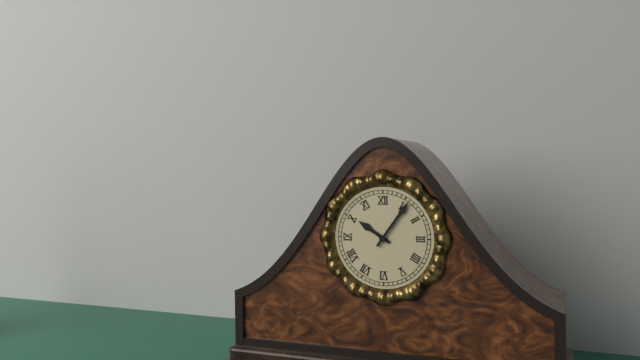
h=10 m=6
